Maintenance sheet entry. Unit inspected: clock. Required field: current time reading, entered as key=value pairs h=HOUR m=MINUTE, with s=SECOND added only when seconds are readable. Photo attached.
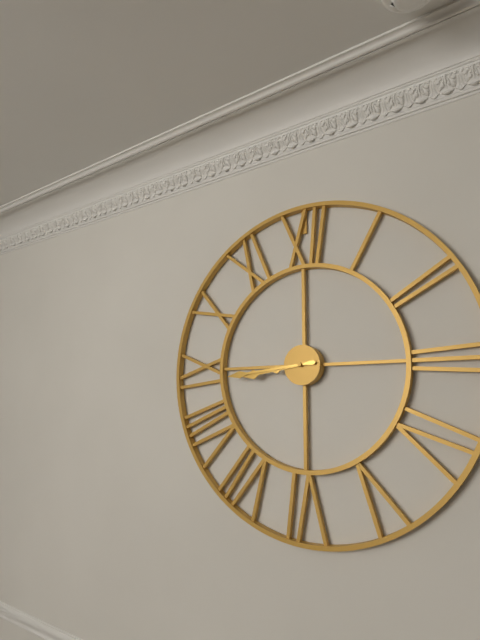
h=8 m=44
